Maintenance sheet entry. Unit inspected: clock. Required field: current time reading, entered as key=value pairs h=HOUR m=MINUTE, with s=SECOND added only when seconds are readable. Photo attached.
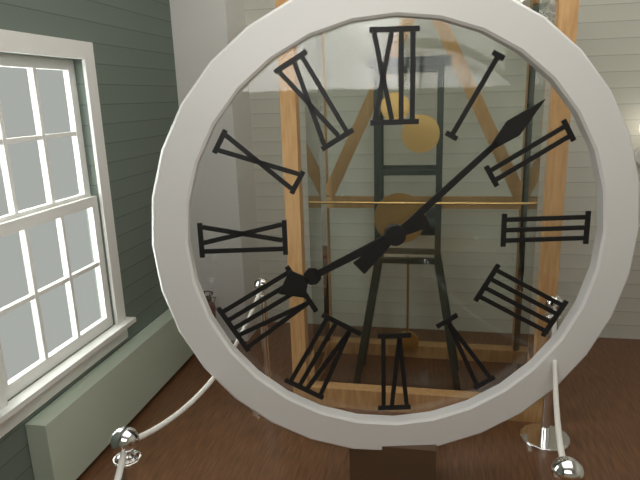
h=8 m=8
